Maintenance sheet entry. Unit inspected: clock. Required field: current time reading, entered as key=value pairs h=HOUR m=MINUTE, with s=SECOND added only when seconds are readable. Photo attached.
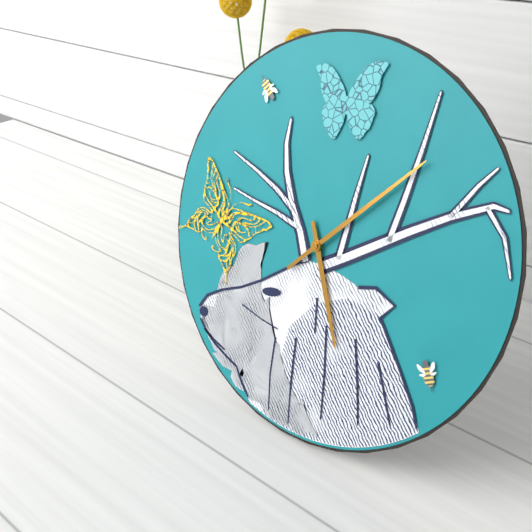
h=5 m=7
